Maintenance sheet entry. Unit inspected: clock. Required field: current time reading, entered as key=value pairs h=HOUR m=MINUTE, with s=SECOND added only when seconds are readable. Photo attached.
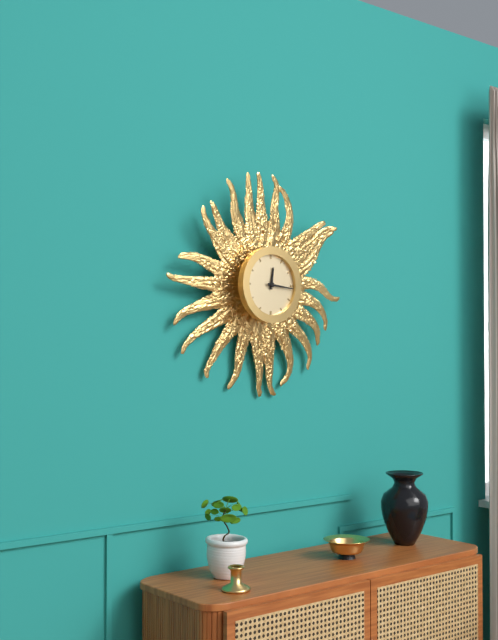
h=12 m=16
